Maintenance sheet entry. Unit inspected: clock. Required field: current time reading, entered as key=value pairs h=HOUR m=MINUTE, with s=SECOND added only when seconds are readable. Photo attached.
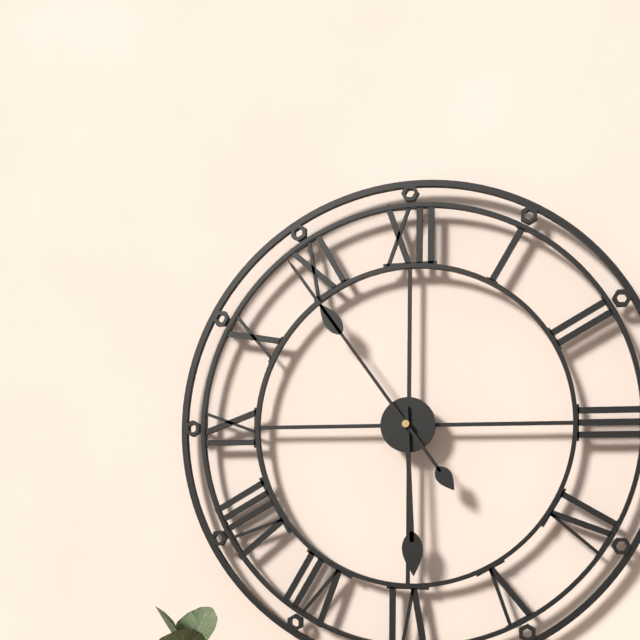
h=5 m=54
